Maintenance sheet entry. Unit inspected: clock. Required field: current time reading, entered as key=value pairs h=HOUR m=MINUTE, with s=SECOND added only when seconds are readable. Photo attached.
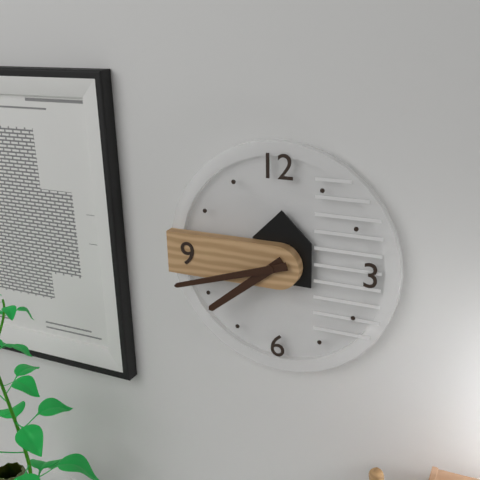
h=7 m=42
